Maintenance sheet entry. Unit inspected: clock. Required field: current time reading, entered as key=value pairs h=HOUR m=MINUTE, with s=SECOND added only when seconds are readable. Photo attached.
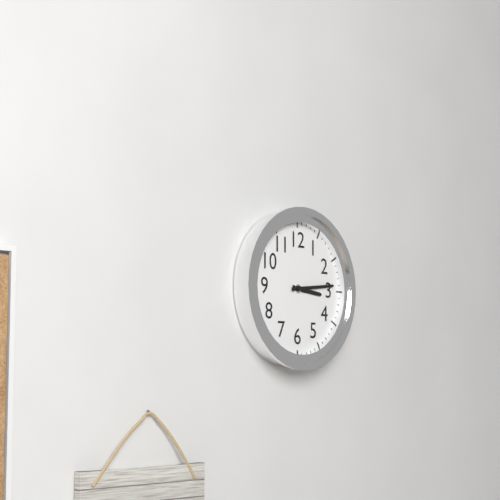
h=3 m=14
